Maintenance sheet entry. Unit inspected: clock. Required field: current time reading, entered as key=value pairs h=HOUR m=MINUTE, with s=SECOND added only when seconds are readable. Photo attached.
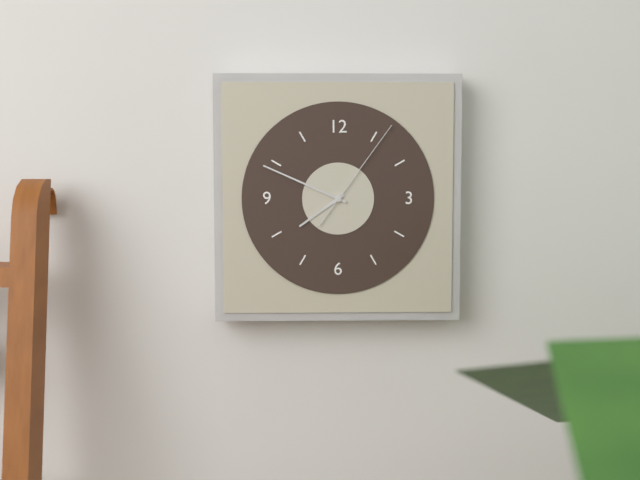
h=7 m=49 s=6
